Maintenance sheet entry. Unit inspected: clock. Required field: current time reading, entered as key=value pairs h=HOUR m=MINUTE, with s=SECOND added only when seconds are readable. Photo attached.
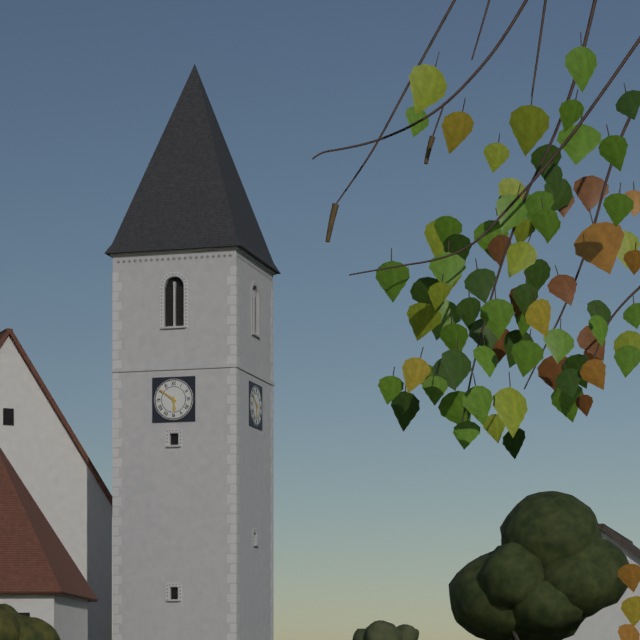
h=5 m=51
